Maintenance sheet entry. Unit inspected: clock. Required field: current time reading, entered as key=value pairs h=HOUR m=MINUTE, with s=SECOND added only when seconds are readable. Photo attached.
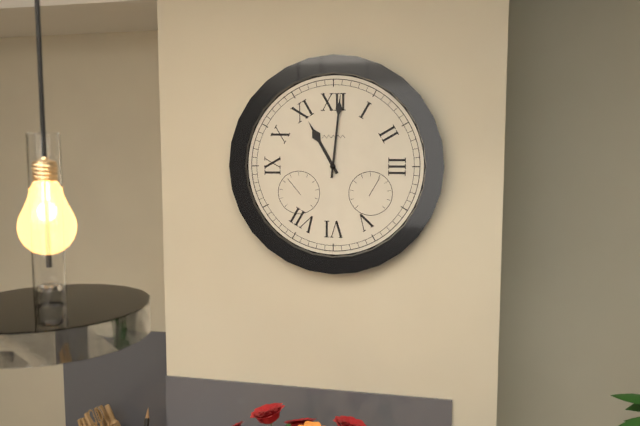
h=11 m=1
